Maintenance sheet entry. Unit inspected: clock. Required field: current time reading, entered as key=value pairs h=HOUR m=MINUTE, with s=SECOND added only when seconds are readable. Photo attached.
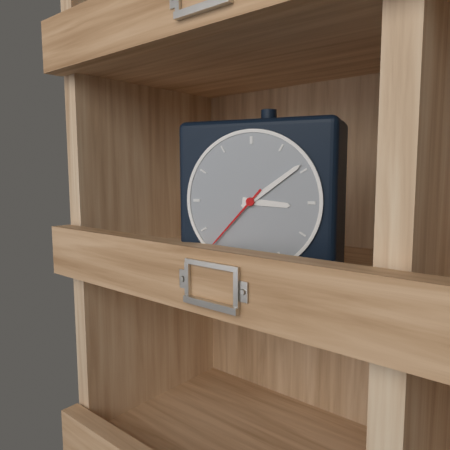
h=3 m=9 s=37
